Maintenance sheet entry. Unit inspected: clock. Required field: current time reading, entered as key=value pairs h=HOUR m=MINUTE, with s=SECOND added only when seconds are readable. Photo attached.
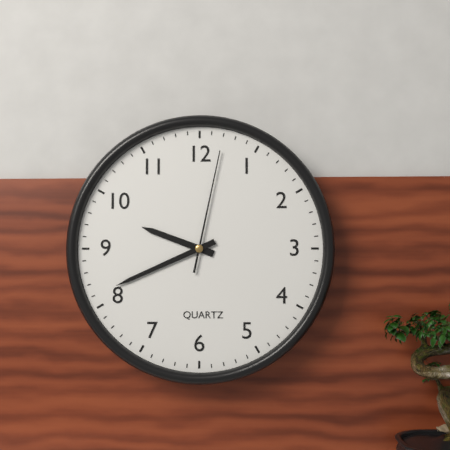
h=9 m=41 s=2
